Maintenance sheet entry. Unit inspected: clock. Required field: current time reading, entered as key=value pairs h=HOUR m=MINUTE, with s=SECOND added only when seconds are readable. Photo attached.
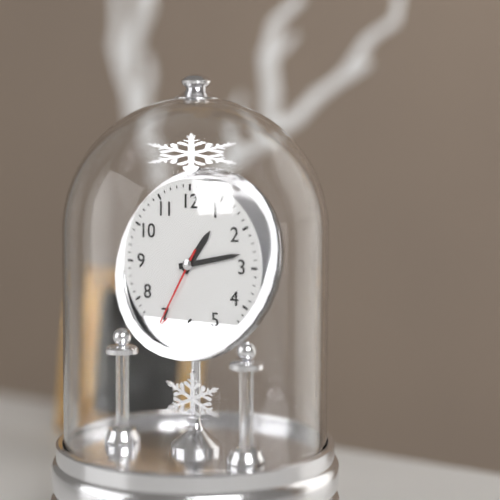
h=1 m=13 s=35
